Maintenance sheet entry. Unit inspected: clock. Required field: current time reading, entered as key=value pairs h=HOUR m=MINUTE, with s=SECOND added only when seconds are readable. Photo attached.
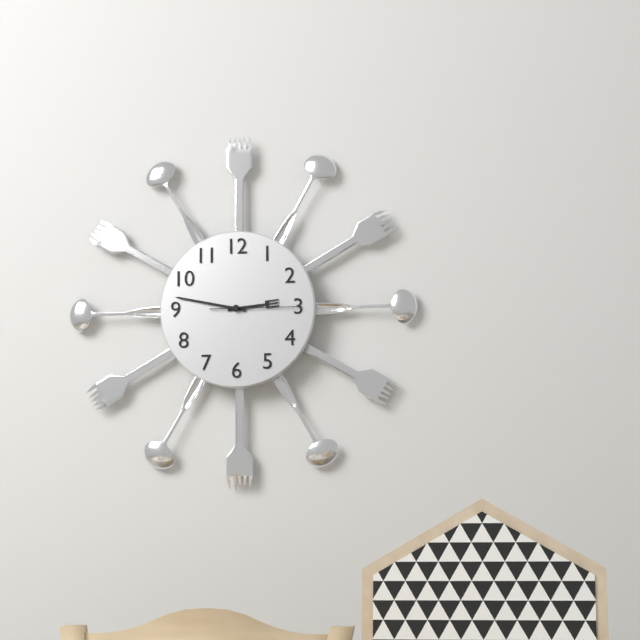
h=2 m=47 s=15
